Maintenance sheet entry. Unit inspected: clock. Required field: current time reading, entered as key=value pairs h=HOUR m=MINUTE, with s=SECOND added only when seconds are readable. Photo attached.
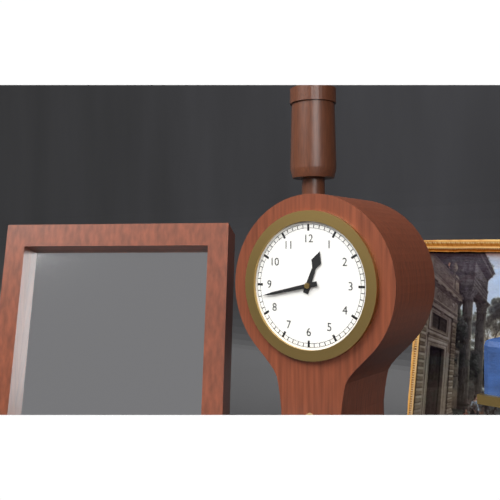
h=12 m=43
